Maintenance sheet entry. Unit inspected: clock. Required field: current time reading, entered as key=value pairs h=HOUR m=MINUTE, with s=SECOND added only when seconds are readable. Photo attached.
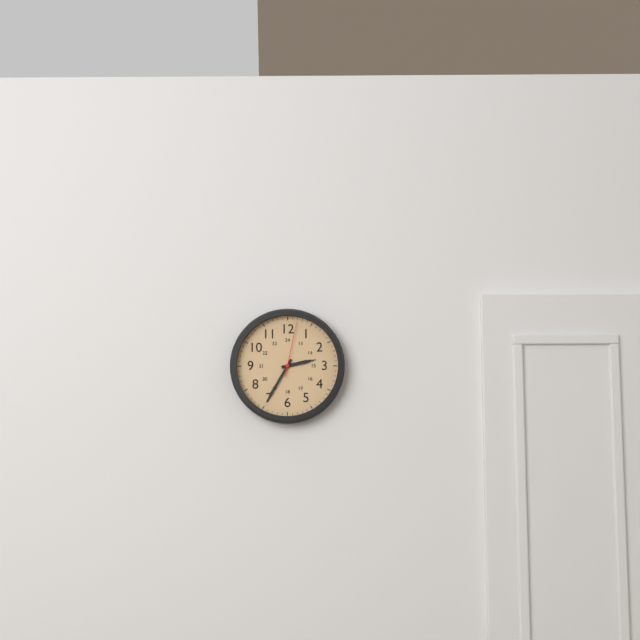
h=2 m=35 s=2
